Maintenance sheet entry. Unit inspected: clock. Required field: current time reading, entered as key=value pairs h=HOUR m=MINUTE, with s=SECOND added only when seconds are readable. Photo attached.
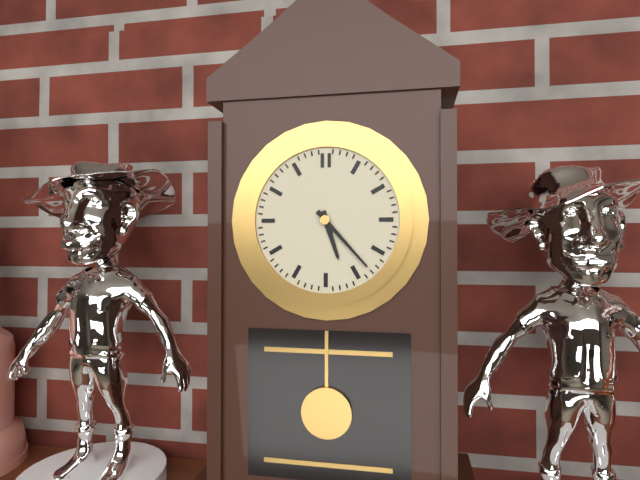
h=5 m=23
